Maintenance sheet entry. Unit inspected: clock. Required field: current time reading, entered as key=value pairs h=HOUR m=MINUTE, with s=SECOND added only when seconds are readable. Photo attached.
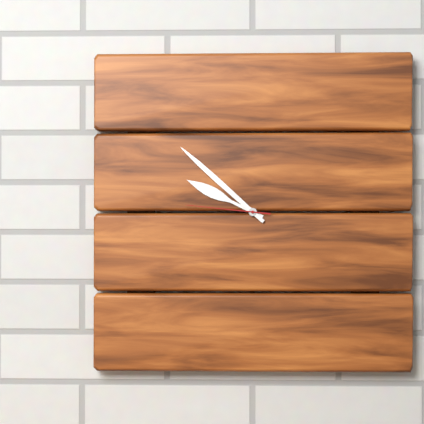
h=9 m=52 s=46
